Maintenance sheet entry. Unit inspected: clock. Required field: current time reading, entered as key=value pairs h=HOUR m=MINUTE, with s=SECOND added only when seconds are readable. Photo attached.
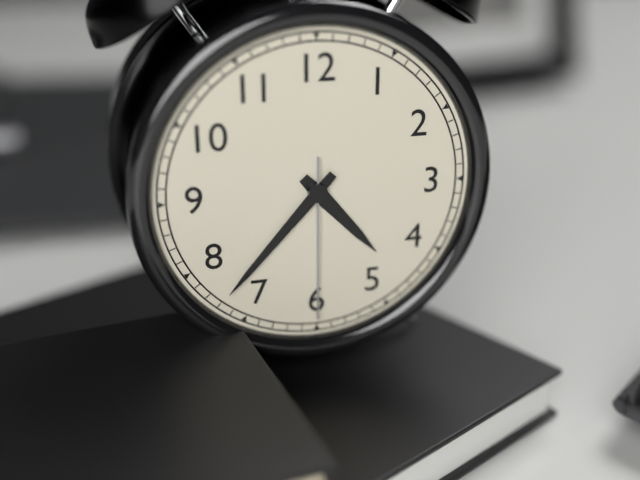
h=4 m=37 s=30
